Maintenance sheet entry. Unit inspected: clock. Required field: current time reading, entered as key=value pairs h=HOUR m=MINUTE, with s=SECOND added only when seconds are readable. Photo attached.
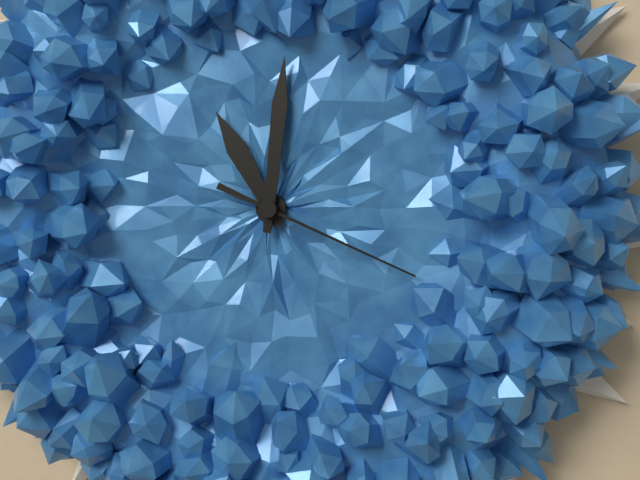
h=11 m=1 s=19
